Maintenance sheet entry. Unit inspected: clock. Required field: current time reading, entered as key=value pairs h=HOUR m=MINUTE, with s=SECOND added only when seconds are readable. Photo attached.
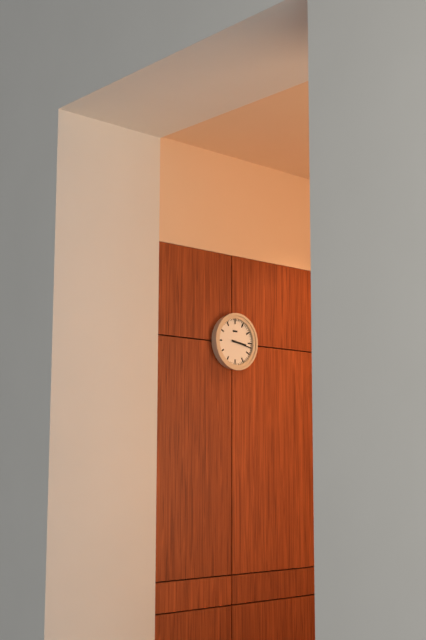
h=3 m=17
